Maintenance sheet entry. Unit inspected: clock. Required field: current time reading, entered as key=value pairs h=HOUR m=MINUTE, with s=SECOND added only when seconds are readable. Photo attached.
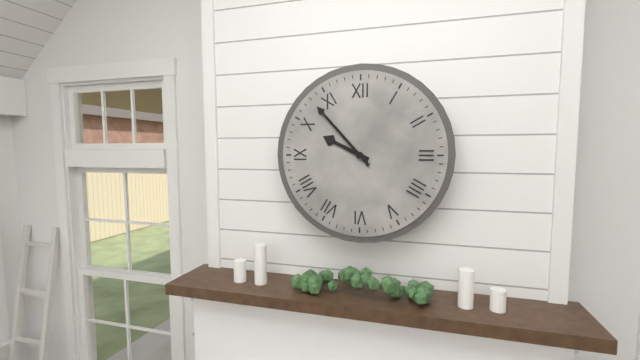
h=9 m=53
